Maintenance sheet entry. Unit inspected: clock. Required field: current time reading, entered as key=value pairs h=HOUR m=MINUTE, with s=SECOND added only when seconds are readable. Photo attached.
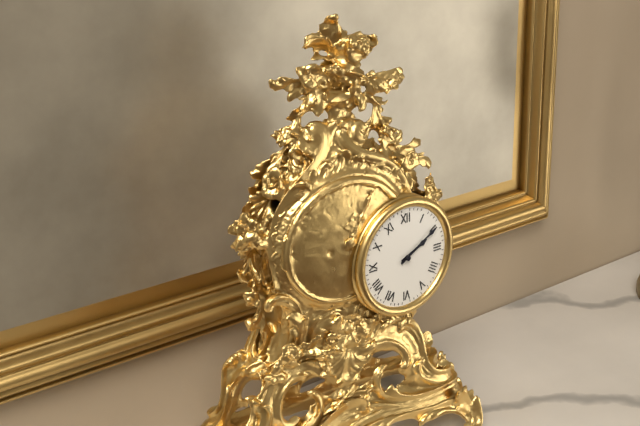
h=2 m=10
